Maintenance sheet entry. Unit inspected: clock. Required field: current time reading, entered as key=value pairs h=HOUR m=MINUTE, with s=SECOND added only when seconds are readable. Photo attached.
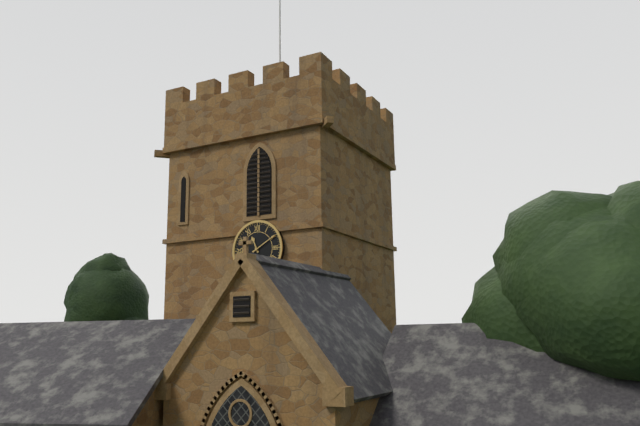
h=11 m=10
